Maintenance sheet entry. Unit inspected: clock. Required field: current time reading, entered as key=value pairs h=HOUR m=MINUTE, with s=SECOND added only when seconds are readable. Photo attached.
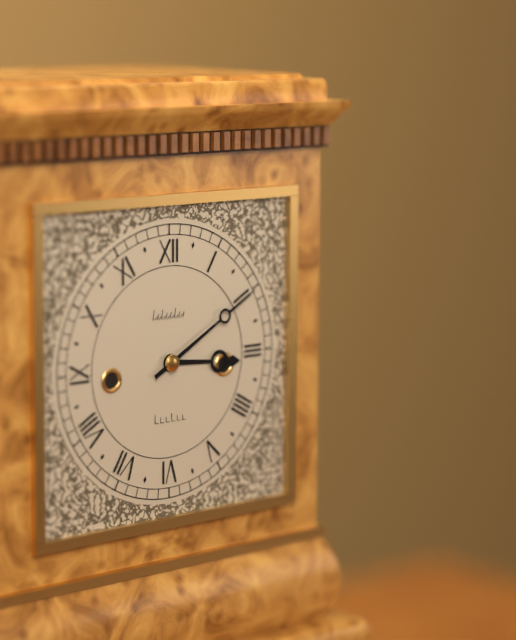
h=3 m=10
